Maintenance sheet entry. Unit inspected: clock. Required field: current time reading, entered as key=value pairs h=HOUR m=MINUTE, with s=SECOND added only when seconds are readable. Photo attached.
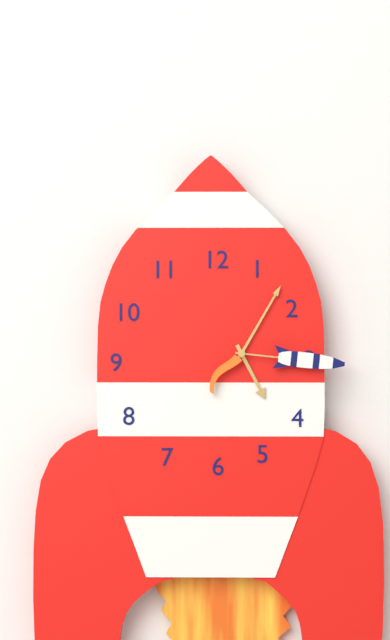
h=5 m=5 s=16
